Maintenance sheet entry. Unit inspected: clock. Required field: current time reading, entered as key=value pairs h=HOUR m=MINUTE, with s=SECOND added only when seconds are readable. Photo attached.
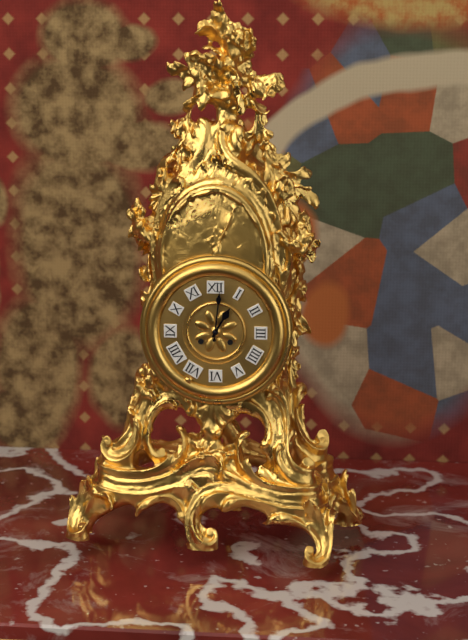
h=1 m=1
